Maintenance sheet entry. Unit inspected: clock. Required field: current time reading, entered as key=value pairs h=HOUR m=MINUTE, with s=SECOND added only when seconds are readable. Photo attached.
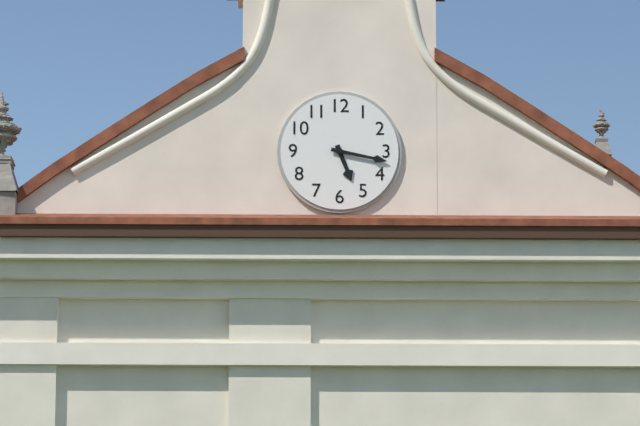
h=5 m=17
